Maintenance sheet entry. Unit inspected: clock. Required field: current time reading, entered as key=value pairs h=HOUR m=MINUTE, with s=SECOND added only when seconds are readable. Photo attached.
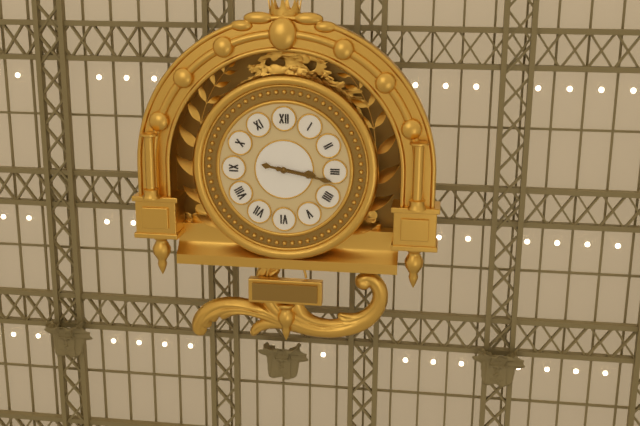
h=3 m=17
